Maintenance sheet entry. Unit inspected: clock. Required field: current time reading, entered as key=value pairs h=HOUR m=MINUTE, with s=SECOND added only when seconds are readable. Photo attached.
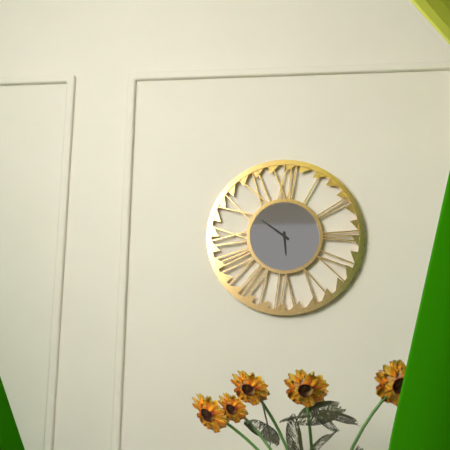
h=5 m=51
